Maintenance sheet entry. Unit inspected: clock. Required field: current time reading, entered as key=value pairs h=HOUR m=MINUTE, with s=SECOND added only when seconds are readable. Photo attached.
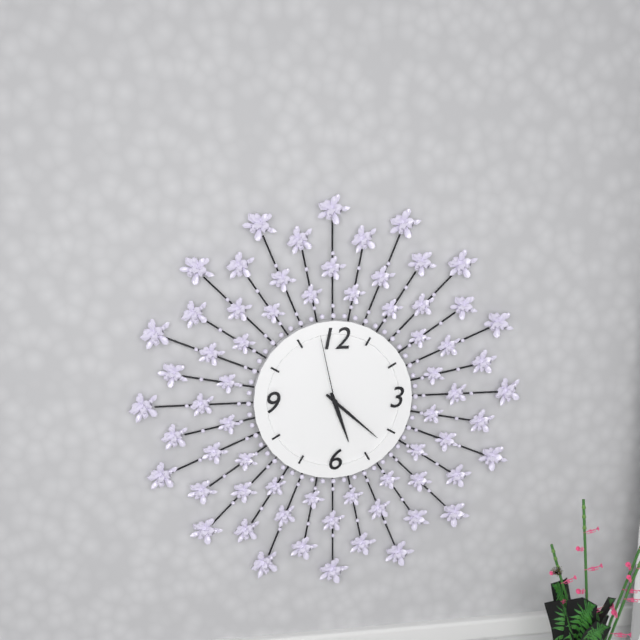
h=5 m=22 s=58
